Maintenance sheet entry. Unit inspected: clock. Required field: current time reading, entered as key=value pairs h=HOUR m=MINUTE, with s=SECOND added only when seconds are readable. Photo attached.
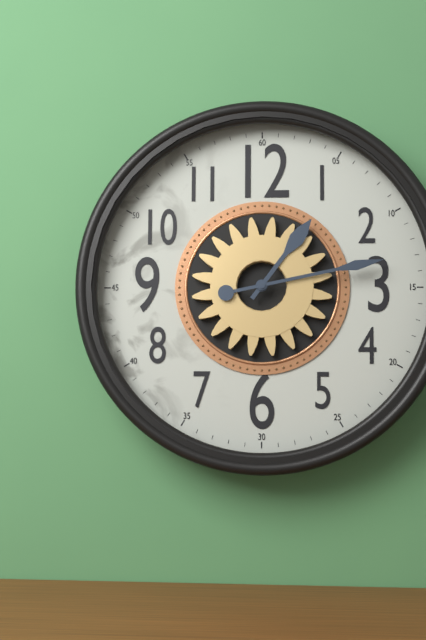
h=1 m=13
